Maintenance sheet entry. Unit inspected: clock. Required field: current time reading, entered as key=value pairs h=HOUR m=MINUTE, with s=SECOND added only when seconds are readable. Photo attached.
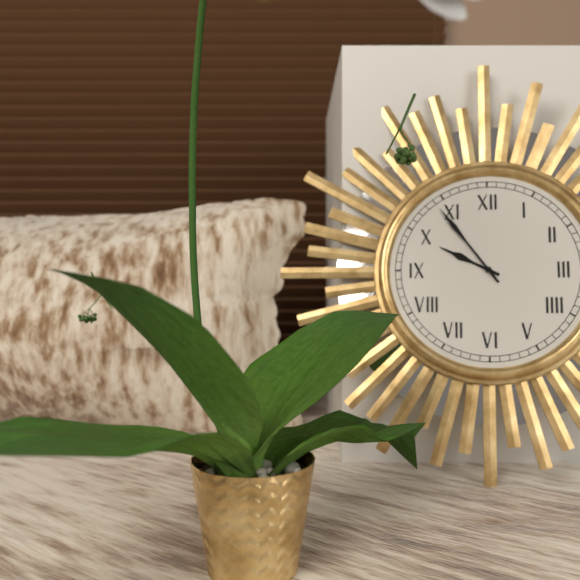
h=9 m=54
